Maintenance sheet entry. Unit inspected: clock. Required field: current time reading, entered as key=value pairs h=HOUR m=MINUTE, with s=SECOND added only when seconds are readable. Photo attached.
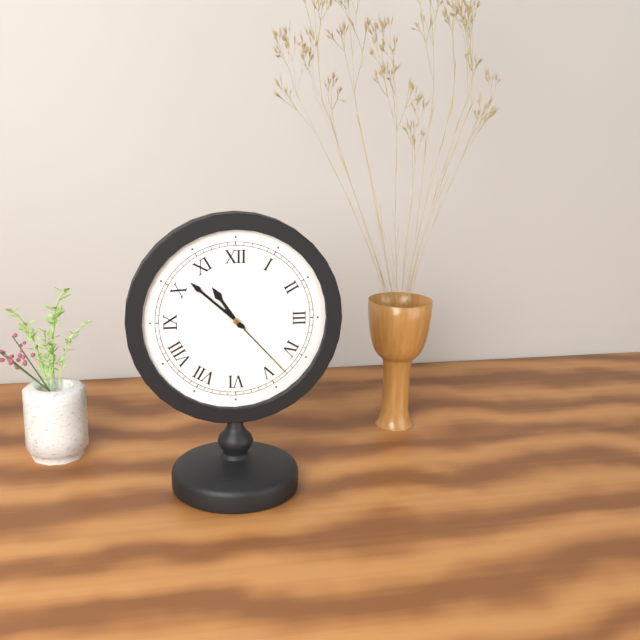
h=10 m=52 s=23
